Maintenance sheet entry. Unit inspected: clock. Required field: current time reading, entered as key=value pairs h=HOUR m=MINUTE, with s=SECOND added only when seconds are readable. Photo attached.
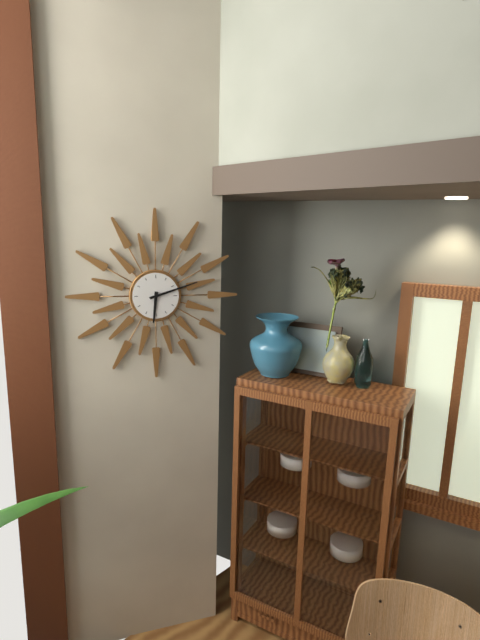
h=6 m=12
